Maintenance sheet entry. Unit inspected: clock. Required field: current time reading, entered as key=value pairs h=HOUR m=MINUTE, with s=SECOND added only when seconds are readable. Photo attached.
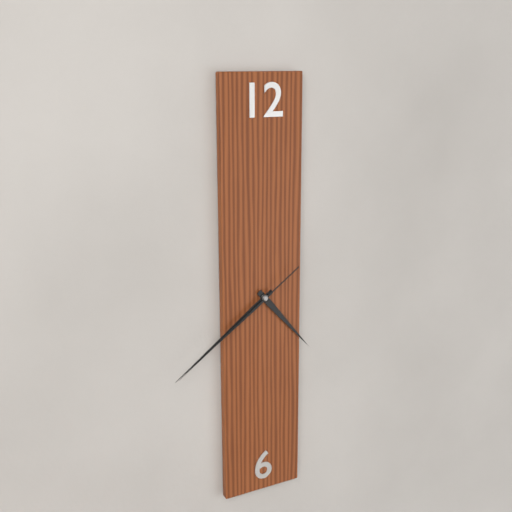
h=4 m=39 s=39
